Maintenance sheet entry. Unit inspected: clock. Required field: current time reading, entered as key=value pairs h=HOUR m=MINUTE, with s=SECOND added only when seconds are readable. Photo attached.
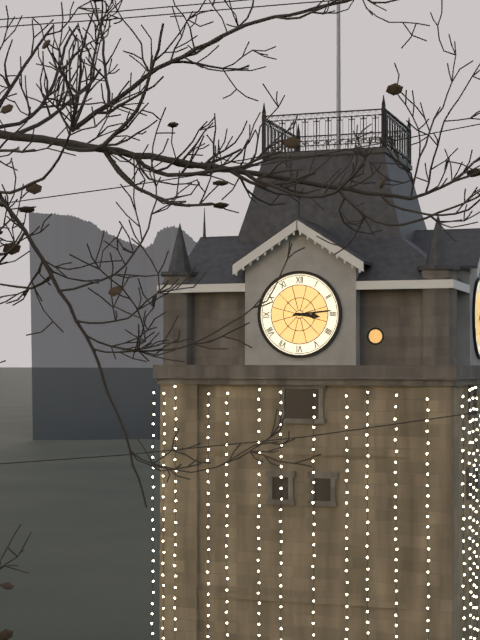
h=3 m=14
